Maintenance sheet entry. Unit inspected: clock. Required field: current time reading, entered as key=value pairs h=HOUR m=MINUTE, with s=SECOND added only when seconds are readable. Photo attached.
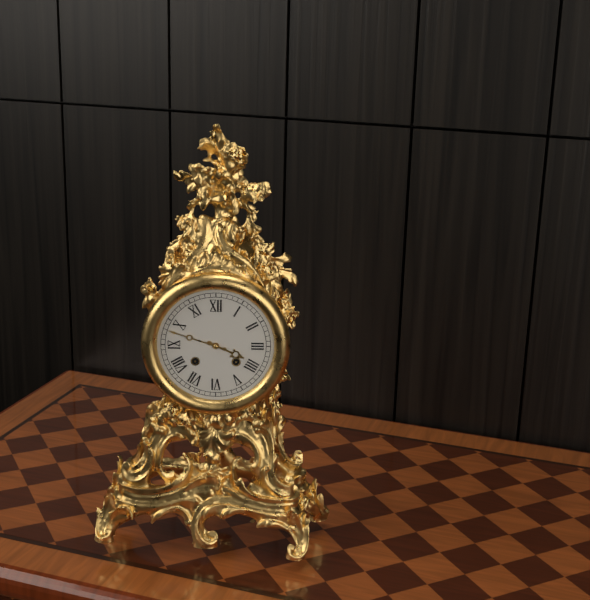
h=3 m=48
